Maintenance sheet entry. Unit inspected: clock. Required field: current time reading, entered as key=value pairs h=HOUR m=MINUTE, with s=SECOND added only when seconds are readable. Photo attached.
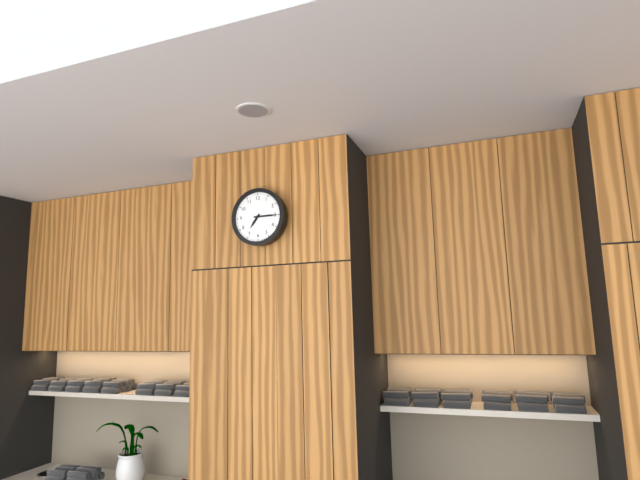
h=7 m=15
